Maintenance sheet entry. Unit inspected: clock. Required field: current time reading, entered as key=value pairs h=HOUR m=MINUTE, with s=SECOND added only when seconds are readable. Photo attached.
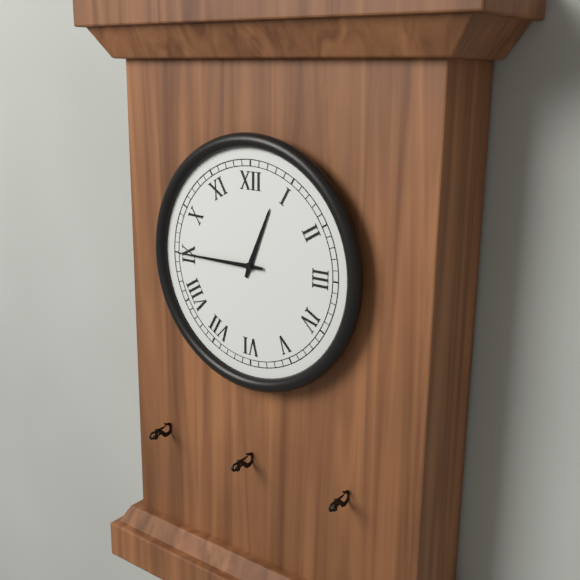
h=12 m=45
